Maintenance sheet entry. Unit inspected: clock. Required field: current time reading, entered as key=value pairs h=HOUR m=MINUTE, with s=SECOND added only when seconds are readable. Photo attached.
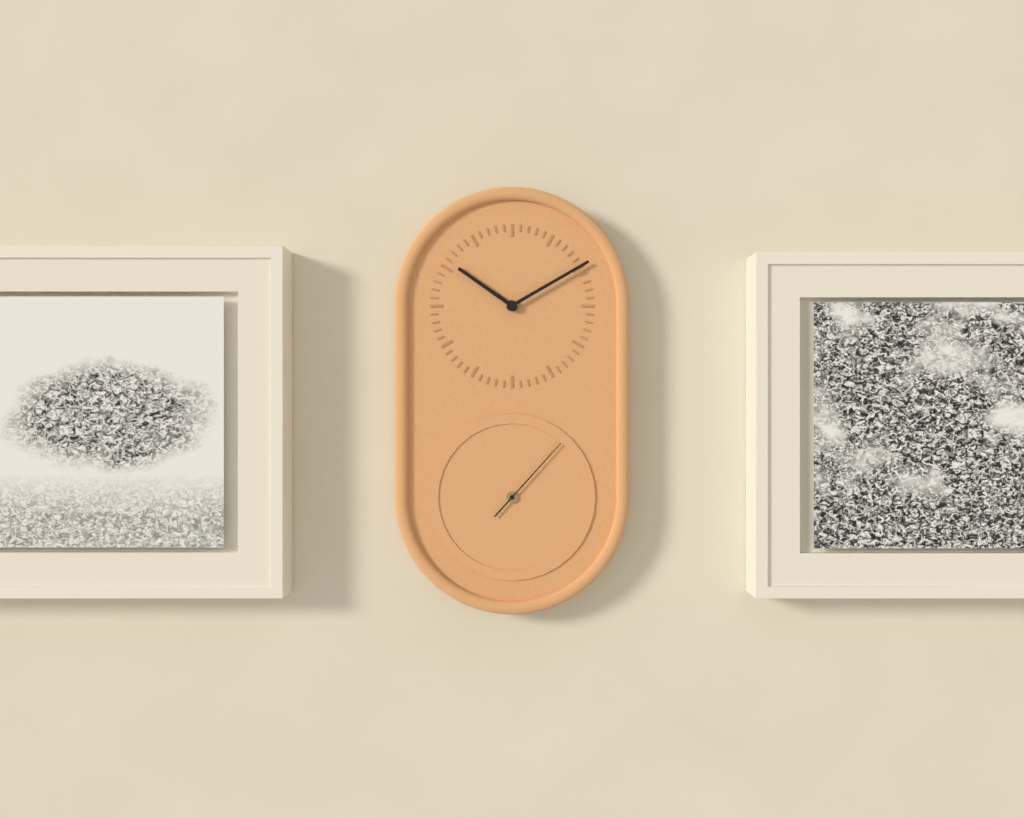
h=10 m=10 s=7
